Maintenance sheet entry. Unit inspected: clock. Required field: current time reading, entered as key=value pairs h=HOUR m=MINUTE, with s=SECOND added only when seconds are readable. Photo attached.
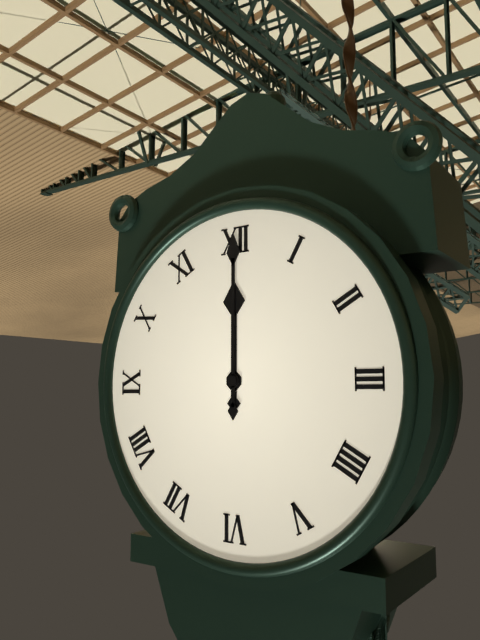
h=12 m=0
